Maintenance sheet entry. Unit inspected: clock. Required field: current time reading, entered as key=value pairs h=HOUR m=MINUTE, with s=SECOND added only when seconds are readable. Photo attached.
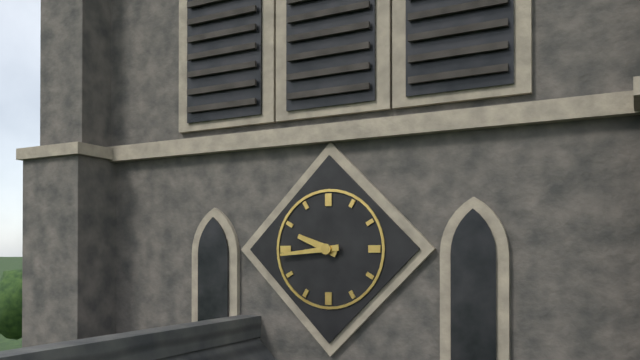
h=9 m=44
